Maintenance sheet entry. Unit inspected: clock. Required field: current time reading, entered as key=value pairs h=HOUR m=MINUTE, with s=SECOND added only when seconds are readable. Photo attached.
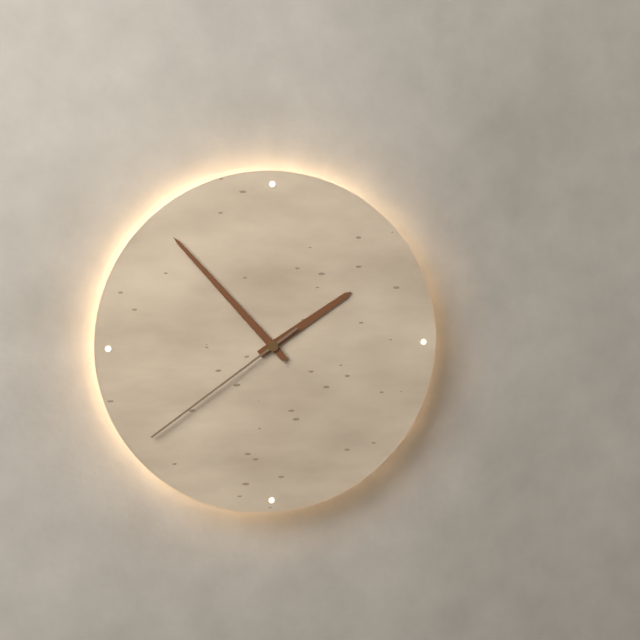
h=1 m=53 s=39
